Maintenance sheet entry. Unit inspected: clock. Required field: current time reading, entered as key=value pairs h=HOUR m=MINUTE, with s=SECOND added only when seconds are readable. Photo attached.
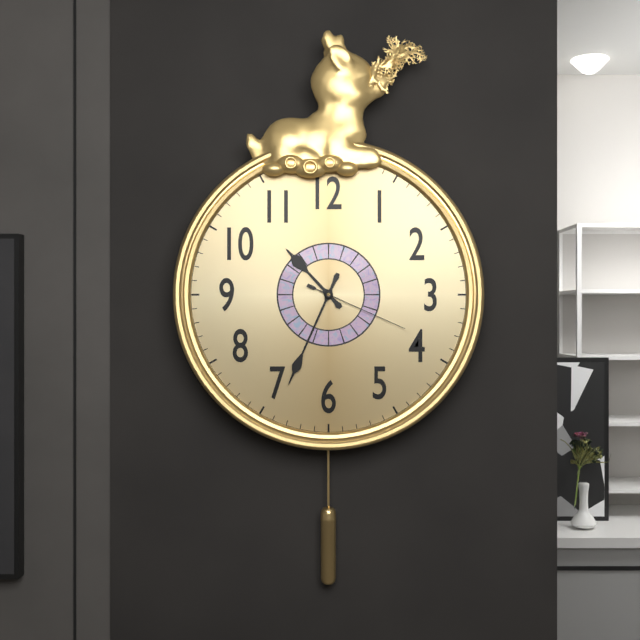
h=10 m=34 s=19
